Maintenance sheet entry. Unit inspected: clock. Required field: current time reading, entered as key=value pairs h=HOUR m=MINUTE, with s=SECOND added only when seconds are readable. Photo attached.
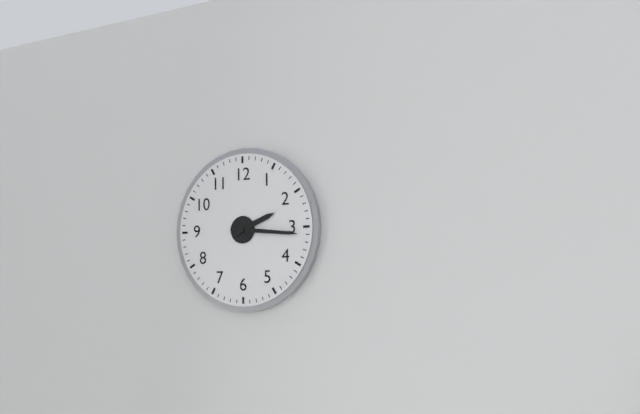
h=2 m=16
